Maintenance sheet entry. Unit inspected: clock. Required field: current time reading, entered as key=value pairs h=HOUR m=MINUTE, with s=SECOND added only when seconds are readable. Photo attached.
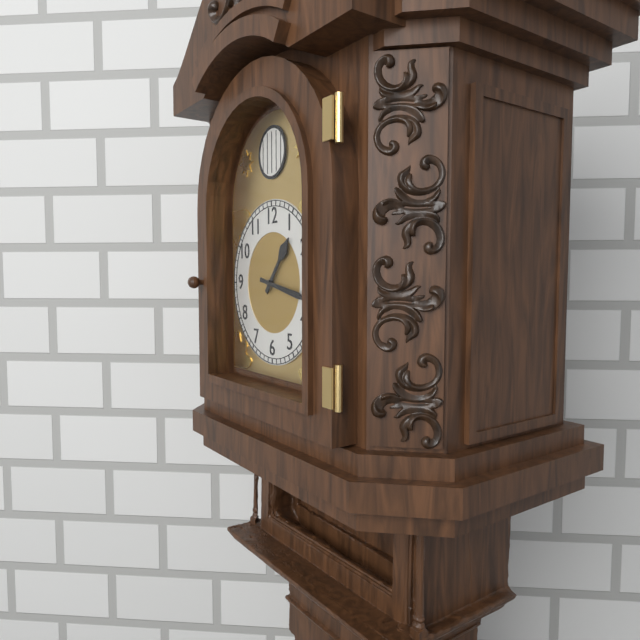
h=1 m=17
